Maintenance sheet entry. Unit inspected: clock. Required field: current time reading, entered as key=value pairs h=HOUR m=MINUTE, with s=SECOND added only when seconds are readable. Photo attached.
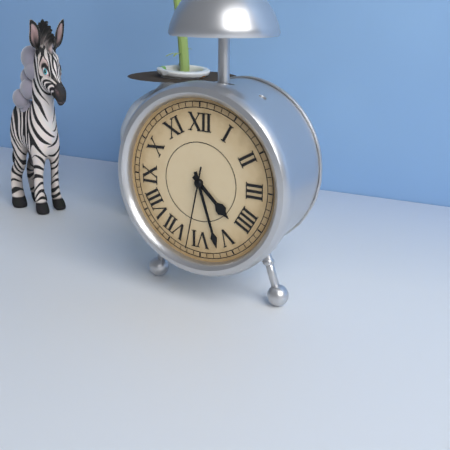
h=4 m=27 s=32
